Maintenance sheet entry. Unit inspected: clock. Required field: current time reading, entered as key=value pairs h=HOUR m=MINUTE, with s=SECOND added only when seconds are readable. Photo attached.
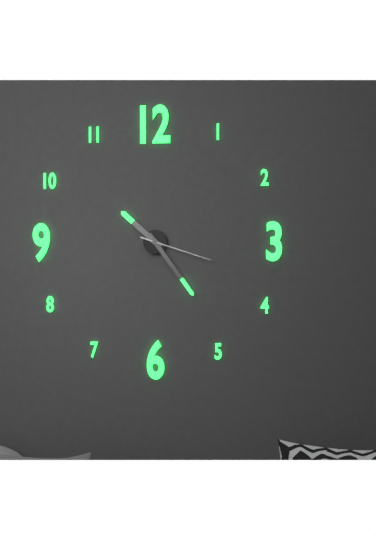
h=10 m=24 s=18
